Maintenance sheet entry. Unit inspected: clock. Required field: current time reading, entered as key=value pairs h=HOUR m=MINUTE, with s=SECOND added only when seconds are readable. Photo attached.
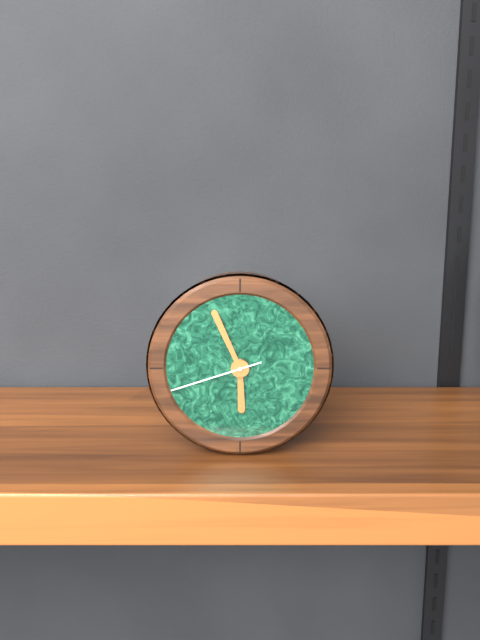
h=5 m=56 s=42
